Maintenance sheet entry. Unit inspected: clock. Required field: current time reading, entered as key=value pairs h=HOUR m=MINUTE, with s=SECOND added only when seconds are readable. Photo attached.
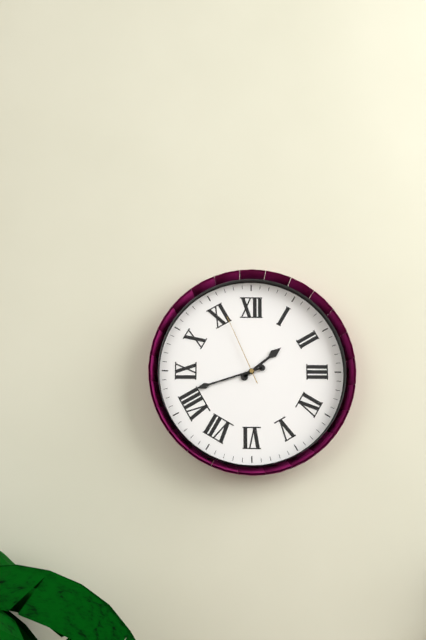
h=1 m=42 s=56
